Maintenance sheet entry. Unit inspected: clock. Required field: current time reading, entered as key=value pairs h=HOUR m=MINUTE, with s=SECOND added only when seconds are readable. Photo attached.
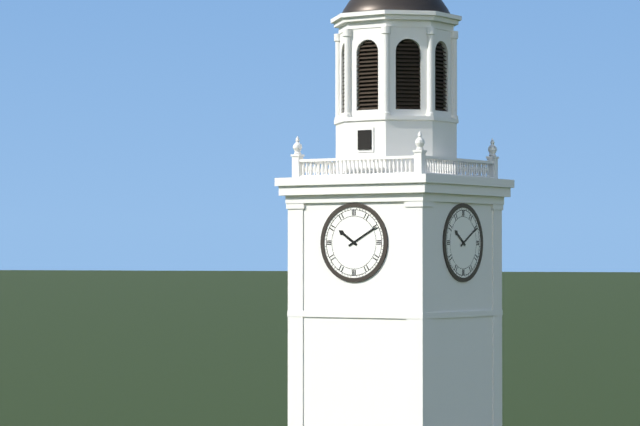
h=10 m=10
